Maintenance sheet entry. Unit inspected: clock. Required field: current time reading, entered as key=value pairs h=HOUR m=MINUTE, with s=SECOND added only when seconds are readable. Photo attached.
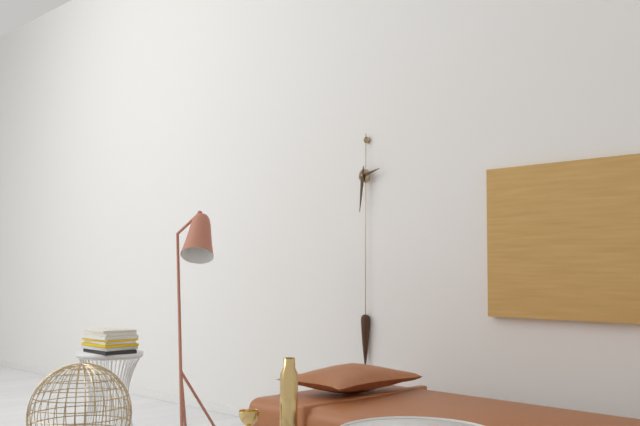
h=2 m=31
